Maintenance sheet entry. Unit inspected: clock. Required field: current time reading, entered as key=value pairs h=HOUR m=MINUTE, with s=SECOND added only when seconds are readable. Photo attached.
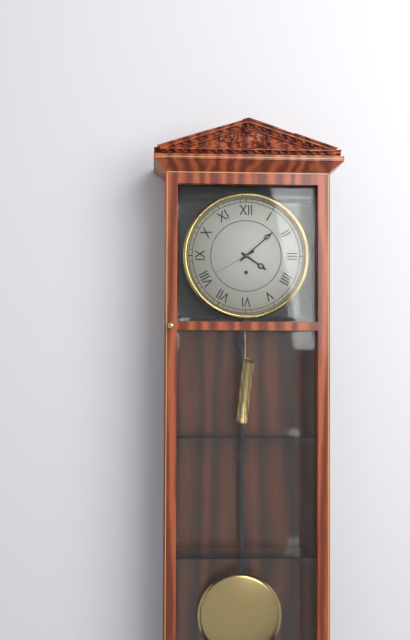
h=4 m=8
